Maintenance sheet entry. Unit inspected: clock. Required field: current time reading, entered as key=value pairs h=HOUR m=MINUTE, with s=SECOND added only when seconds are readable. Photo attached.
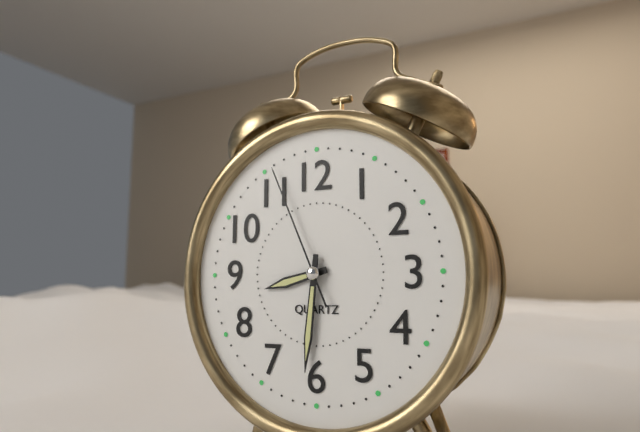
h=8 m=31 s=56
